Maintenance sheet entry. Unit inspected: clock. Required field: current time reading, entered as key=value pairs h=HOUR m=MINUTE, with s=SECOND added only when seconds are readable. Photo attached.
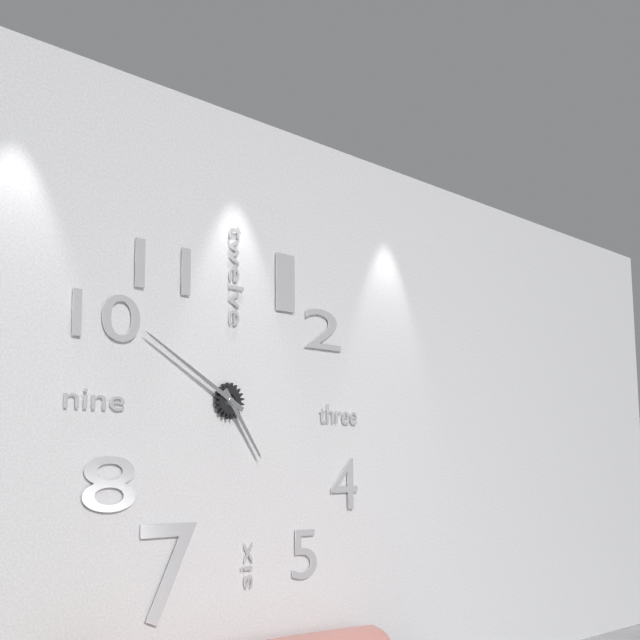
h=4 m=50
